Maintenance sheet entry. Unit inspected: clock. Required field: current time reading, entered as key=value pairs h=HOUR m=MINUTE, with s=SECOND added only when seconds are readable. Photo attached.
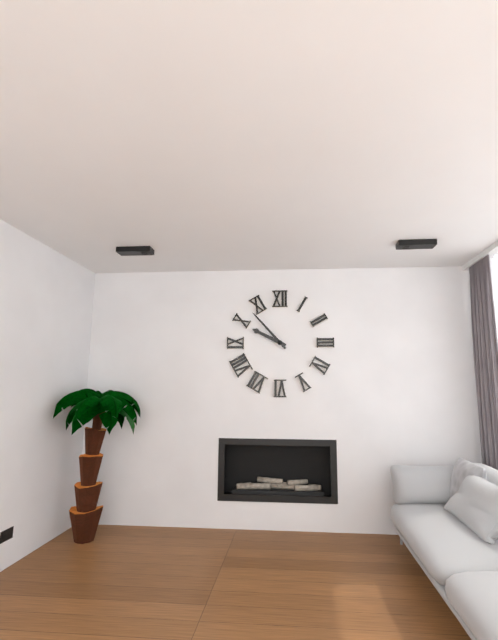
h=9 m=53
